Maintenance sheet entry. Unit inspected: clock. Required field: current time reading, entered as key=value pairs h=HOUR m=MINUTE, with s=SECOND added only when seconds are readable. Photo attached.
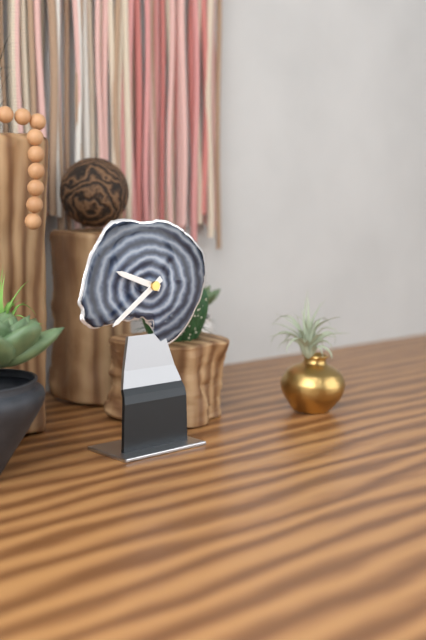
h=9 m=39
